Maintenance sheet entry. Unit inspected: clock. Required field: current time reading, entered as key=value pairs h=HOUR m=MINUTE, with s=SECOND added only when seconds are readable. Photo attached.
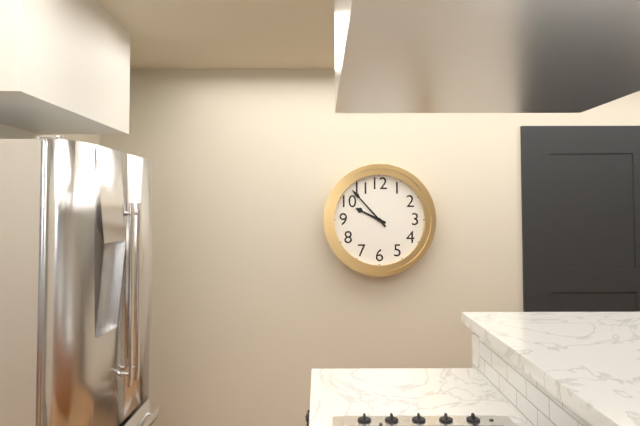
h=9 m=53
